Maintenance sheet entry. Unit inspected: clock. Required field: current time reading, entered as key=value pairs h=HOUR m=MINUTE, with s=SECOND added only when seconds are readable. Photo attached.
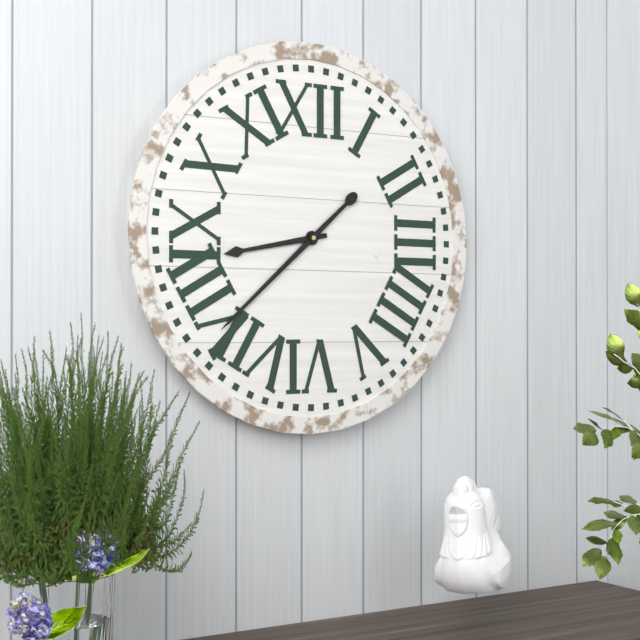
h=8 m=38
